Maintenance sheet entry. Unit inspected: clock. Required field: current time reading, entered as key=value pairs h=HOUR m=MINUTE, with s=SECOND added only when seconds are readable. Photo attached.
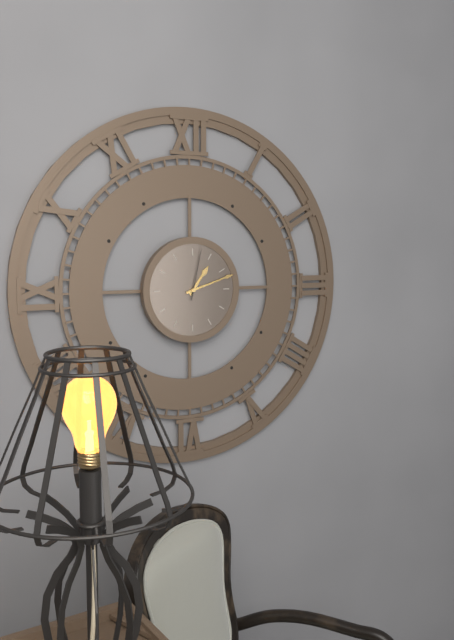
h=1 m=12 s=2
